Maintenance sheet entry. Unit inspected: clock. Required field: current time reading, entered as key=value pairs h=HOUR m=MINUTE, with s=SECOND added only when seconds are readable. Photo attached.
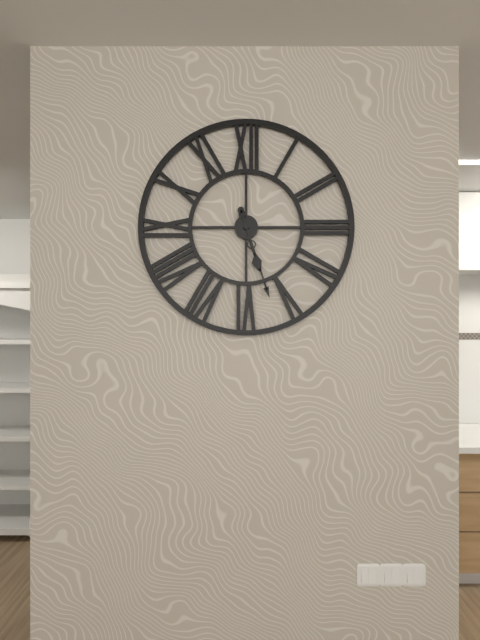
h=5 m=27
